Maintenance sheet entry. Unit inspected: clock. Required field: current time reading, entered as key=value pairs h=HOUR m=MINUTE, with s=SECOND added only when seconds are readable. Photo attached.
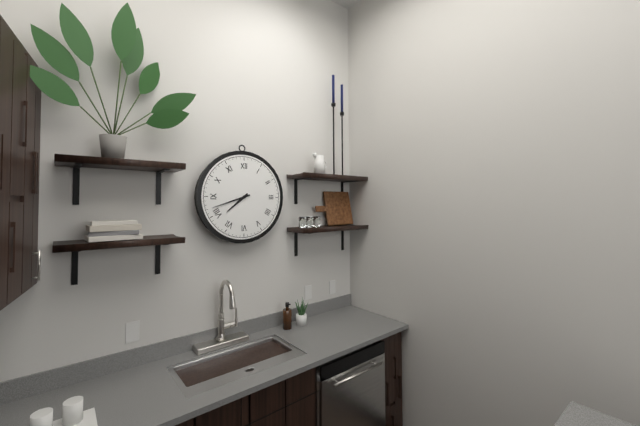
h=7 m=42
